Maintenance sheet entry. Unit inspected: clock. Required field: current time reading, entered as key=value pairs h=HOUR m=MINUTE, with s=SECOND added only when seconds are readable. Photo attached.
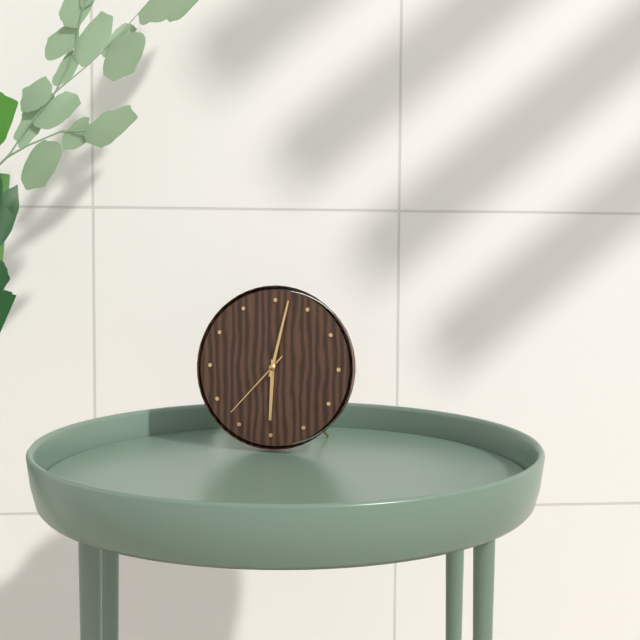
h=6 m=2 s=37
